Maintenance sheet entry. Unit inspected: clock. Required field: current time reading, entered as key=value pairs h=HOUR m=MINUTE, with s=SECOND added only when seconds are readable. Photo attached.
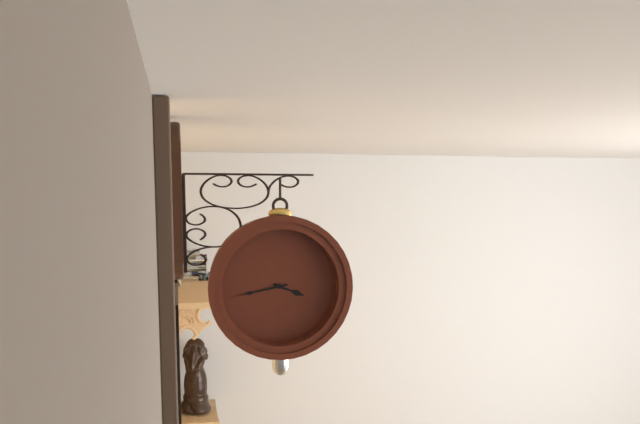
h=3 m=43
